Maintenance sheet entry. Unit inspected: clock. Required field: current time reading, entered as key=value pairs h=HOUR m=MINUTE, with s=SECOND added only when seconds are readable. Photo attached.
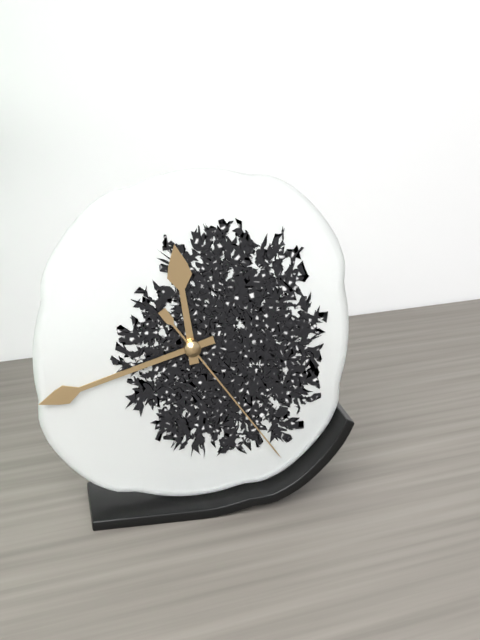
h=11 m=42 s=24
